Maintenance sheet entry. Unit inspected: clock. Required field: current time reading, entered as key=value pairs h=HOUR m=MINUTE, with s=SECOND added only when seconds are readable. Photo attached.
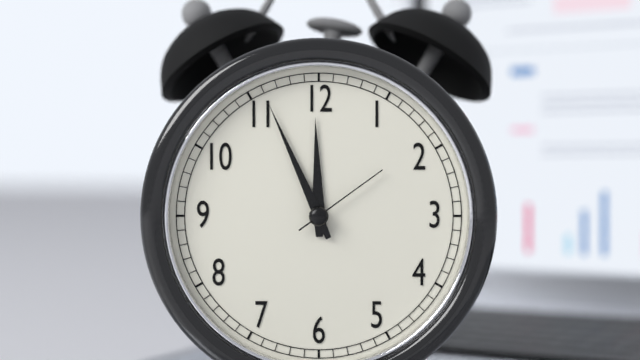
h=11 m=56 s=9
